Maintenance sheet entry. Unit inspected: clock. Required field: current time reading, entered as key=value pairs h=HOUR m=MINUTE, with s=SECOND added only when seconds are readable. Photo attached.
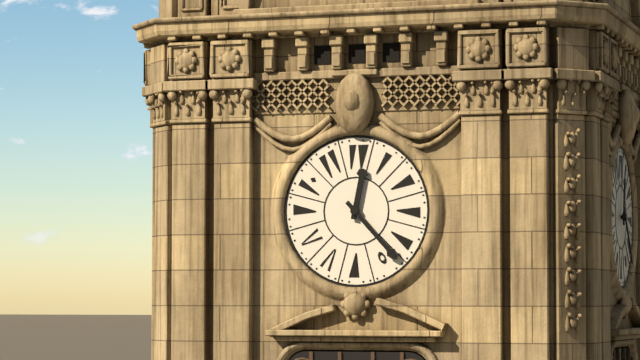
h=12 m=23
